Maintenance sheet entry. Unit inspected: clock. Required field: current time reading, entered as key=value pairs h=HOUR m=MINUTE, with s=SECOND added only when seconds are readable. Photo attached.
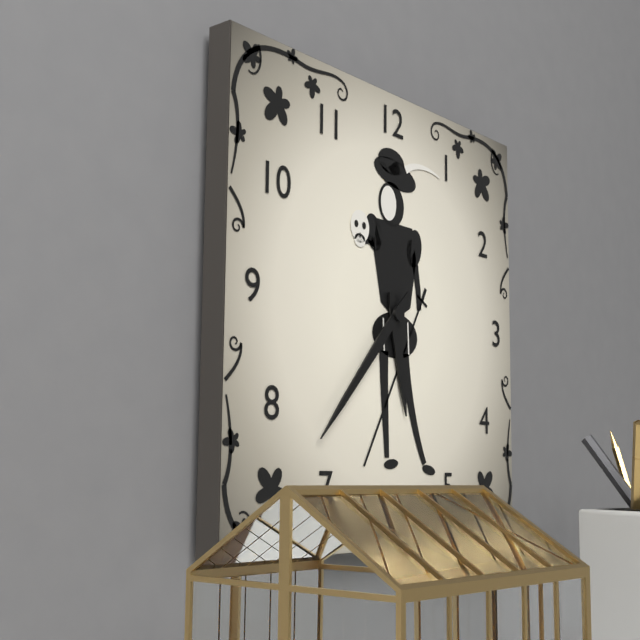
h=5 m=37
